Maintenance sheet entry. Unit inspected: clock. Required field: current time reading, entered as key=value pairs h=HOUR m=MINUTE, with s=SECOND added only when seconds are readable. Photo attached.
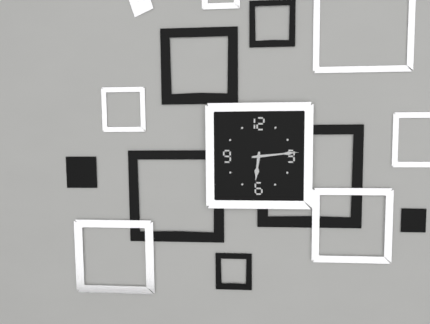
h=6 m=14
